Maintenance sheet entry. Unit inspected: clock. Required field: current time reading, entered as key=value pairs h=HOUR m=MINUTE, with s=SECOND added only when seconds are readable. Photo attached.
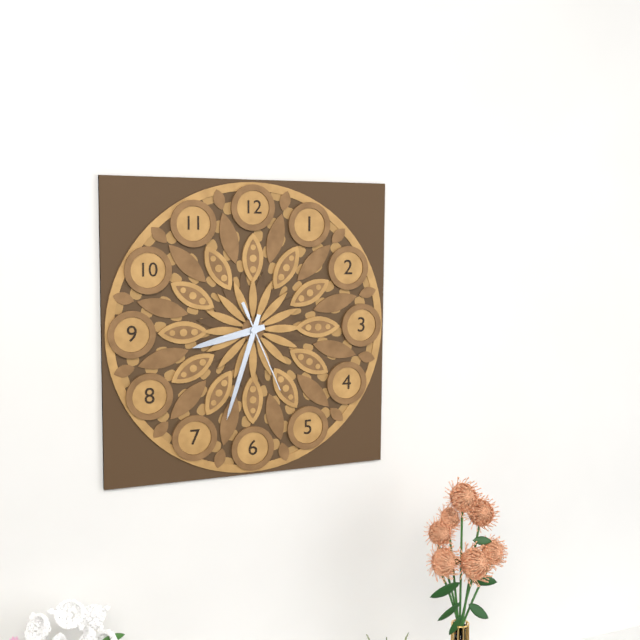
h=8 m=33 s=26
